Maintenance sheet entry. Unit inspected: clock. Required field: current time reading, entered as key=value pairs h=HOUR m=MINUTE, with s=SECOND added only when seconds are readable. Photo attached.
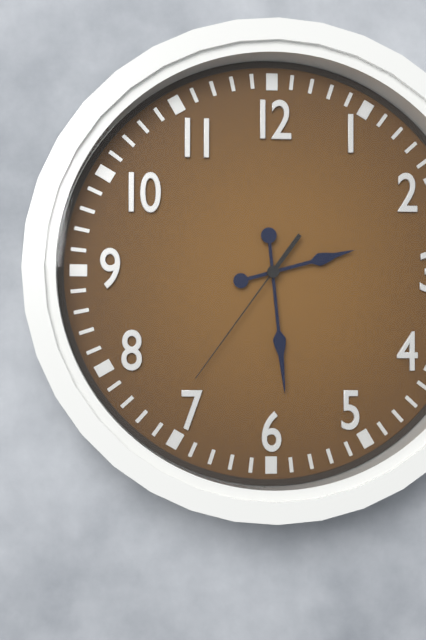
h=2 m=29 s=36
